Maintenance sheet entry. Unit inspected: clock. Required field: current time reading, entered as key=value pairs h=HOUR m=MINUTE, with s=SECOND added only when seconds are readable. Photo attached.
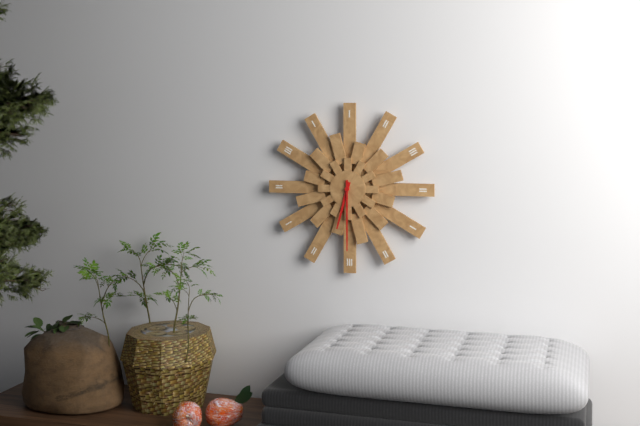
h=6 m=30
